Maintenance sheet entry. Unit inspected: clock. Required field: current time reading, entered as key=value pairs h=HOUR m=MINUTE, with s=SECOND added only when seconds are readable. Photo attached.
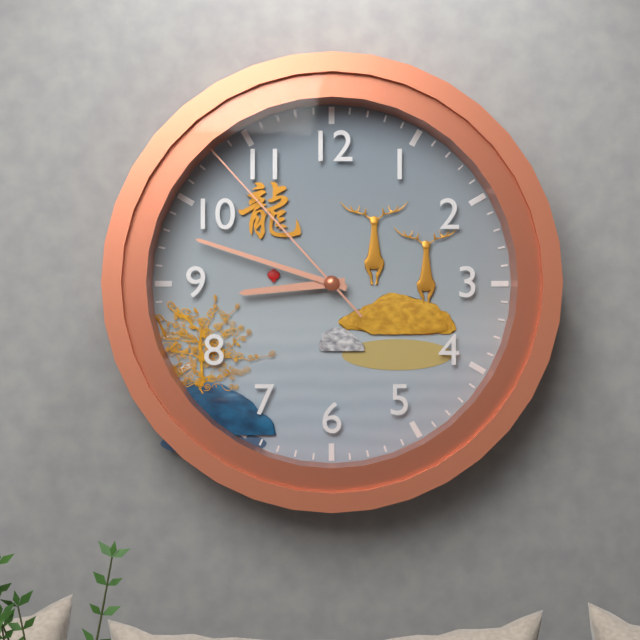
h=8 m=48 s=53
